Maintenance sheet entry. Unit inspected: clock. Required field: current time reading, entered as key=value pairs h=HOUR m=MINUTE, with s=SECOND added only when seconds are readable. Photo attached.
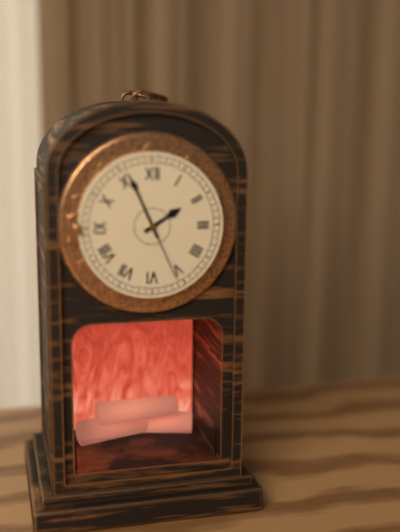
h=1 m=56 s=26
